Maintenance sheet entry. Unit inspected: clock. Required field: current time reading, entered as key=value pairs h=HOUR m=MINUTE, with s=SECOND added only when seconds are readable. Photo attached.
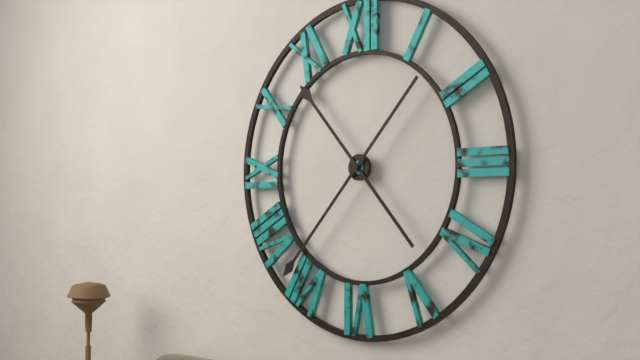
h=10 m=37
